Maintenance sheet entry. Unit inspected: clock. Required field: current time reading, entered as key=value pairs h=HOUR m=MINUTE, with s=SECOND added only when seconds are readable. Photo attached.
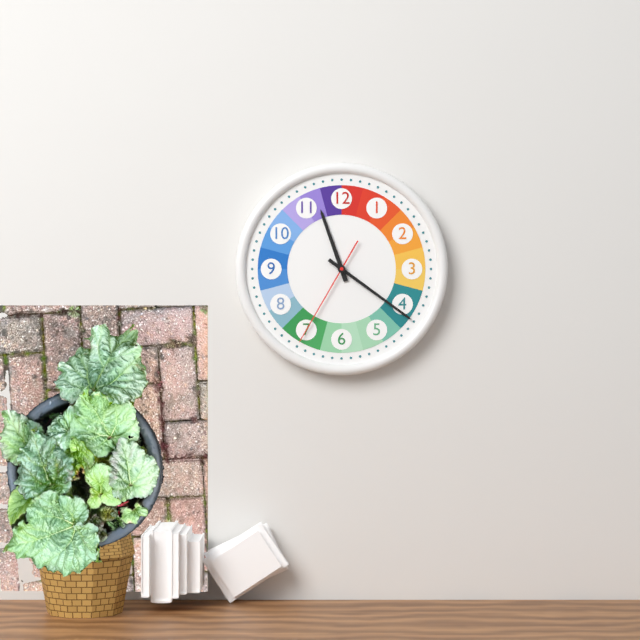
h=11 m=21 s=35
